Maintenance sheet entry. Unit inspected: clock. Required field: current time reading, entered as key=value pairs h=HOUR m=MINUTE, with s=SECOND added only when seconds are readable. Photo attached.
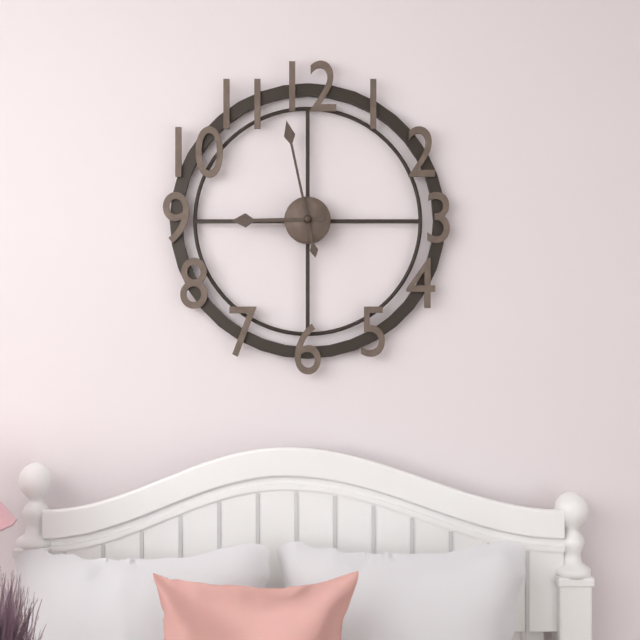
h=8 m=58
